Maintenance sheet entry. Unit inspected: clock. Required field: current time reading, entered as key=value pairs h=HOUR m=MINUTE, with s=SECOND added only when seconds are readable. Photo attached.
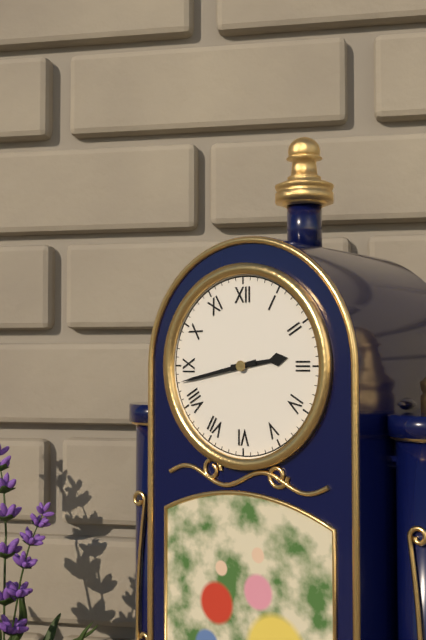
h=2 m=43
